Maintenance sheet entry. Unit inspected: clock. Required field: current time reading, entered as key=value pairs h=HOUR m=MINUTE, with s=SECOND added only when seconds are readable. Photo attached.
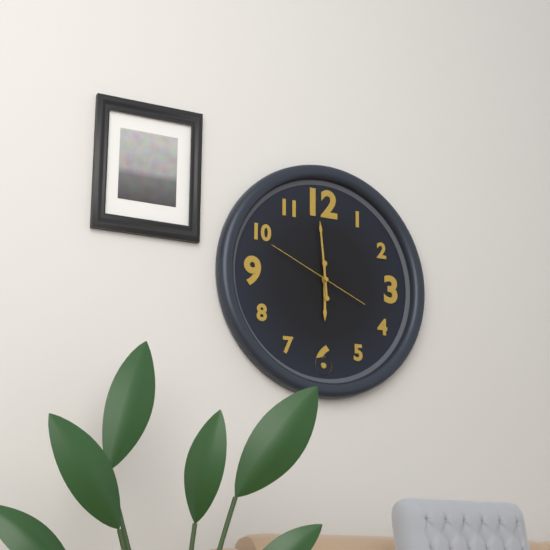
h=5 m=59 s=49
